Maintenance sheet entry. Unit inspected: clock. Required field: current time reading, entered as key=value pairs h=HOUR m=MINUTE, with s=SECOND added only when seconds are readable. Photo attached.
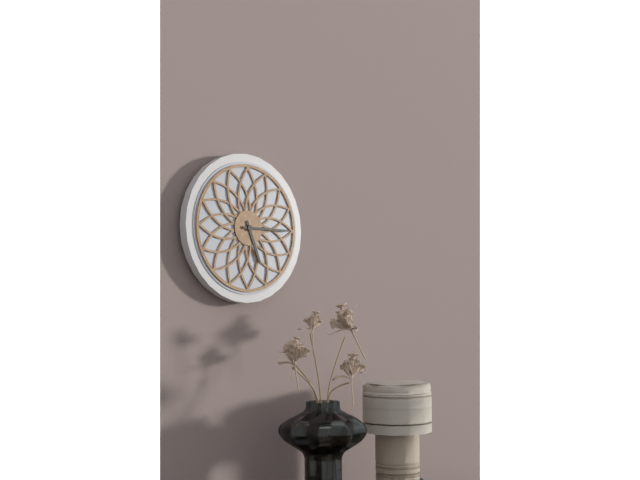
h=5 m=15
